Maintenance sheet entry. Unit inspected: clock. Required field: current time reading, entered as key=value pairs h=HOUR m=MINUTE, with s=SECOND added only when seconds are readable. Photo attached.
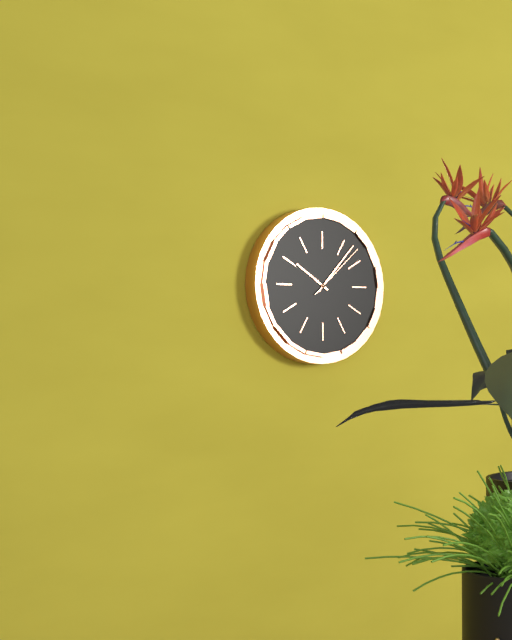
h=10 m=7 s=8
